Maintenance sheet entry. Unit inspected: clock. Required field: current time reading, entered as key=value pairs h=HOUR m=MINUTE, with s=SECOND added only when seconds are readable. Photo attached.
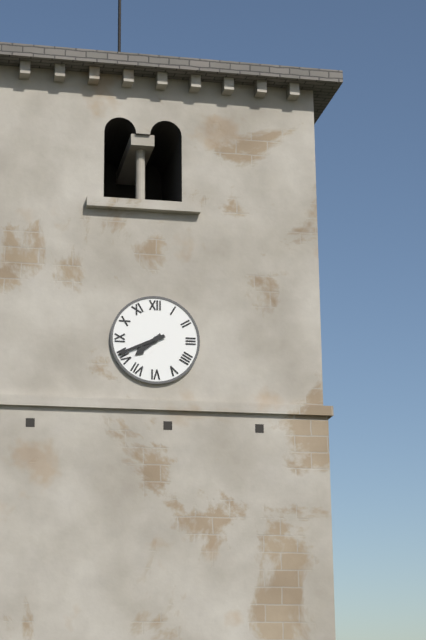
h=7 m=41
